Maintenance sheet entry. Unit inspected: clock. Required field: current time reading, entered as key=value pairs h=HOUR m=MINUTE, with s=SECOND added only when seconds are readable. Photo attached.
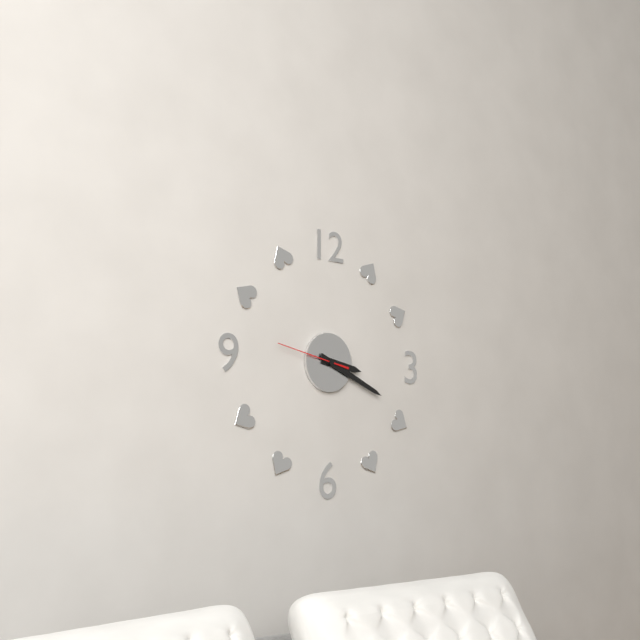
h=3 m=19 s=47
